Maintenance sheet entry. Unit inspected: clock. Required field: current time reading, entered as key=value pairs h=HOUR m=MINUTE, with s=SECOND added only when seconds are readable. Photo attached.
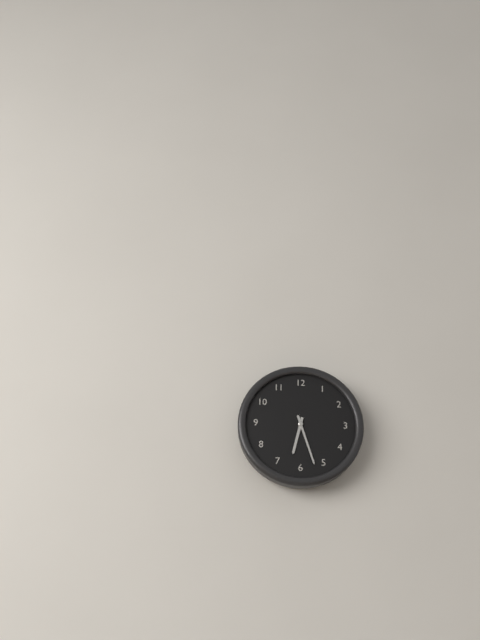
h=6 m=27
